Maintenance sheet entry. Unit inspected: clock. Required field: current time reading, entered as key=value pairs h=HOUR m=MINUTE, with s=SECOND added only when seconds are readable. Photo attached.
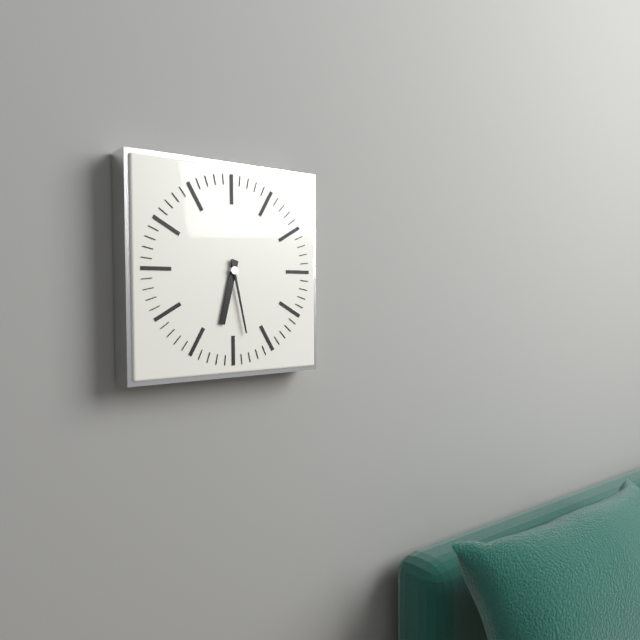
h=6 m=28
